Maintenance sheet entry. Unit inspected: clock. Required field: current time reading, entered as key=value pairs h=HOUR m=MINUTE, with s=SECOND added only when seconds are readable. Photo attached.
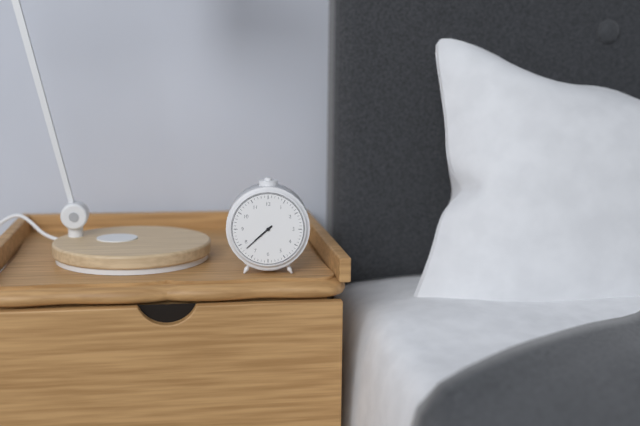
h=7 m=38
